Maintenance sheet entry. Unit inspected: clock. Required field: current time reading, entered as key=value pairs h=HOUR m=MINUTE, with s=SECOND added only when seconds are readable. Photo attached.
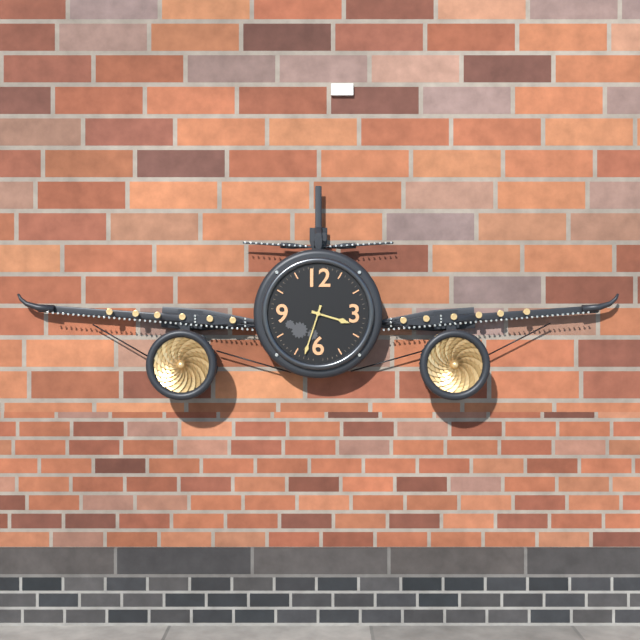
h=3 m=33
